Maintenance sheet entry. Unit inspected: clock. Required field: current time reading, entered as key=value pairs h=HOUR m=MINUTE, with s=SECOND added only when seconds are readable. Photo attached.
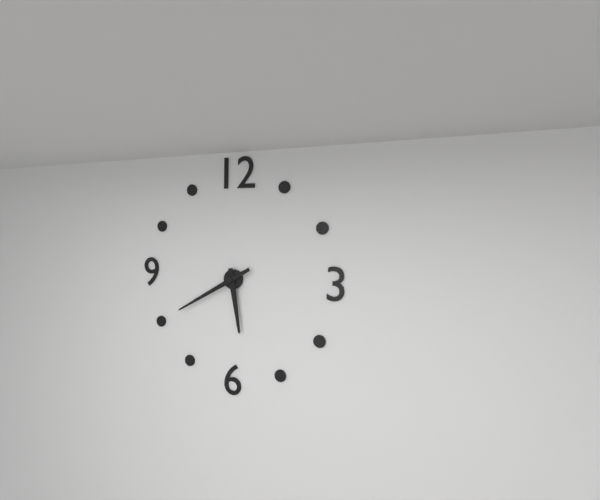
h=5 m=40
